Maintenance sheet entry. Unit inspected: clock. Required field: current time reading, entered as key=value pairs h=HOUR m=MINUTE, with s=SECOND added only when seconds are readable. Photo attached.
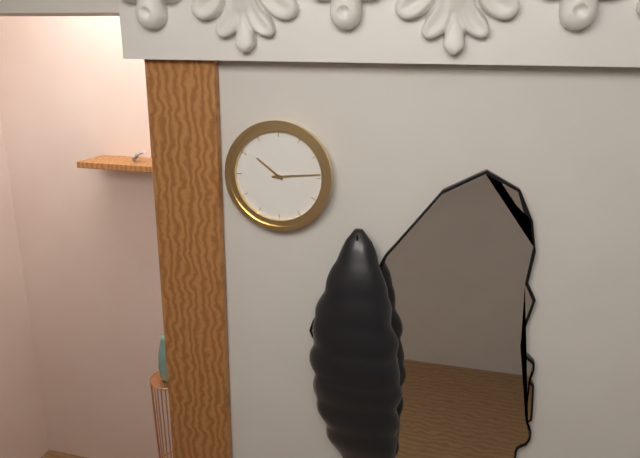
h=10 m=14
